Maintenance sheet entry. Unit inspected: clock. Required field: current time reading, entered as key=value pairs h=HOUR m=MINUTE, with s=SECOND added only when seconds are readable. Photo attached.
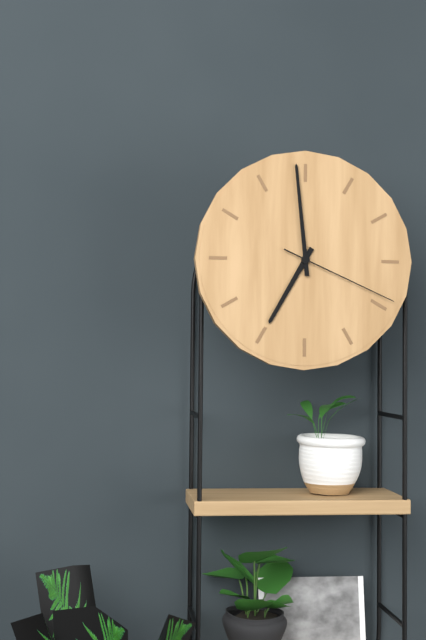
h=6 m=59 s=19
